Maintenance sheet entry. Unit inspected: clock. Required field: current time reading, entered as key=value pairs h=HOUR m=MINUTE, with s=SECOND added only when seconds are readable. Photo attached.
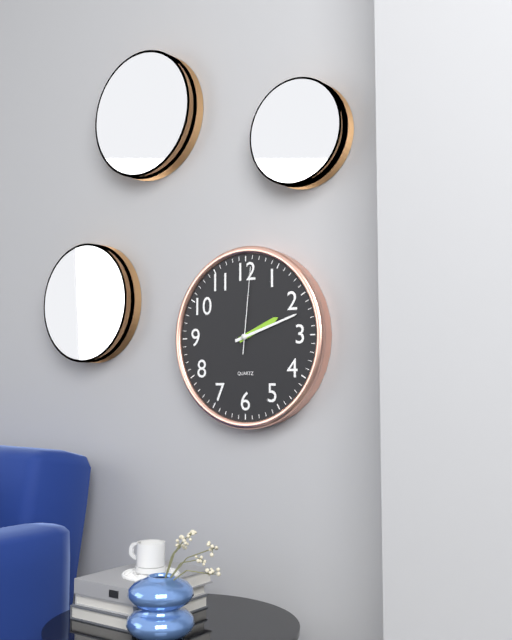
h=2 m=12 s=1
